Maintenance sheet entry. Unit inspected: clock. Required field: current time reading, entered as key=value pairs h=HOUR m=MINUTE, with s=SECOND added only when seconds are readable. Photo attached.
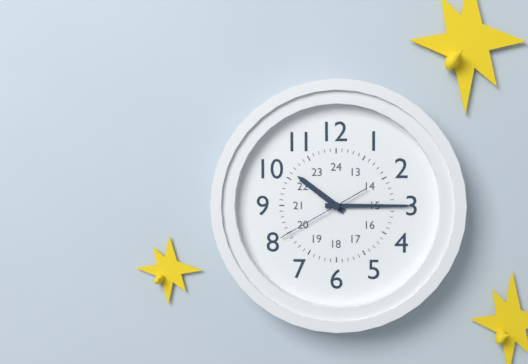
h=10 m=15 s=40
